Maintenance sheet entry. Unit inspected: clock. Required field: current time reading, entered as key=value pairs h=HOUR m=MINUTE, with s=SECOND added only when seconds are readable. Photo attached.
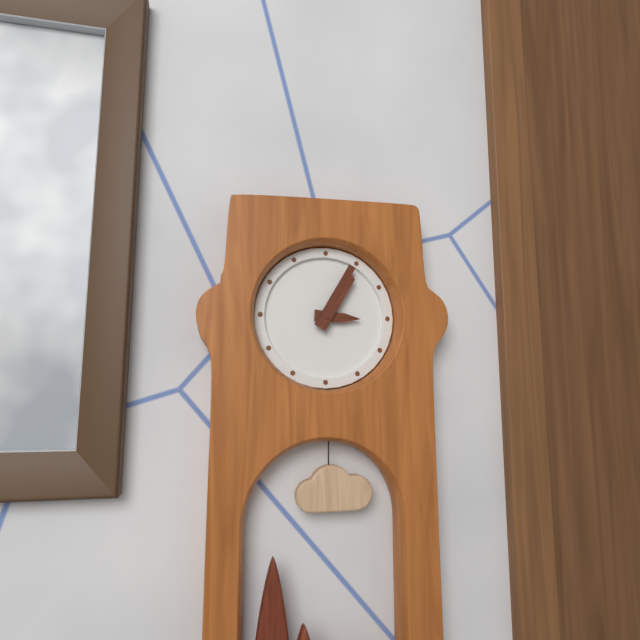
h=3 m=5
